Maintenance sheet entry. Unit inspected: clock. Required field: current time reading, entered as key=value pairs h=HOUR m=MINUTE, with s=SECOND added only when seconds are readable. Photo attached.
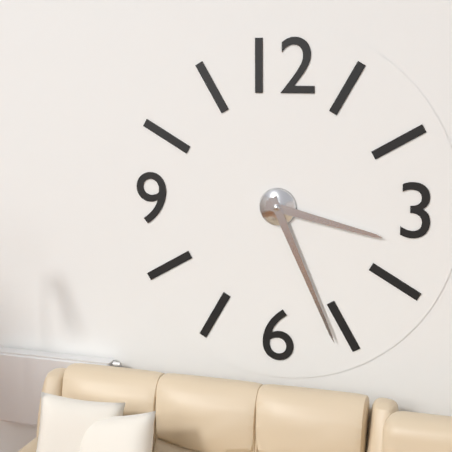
h=3 m=26
